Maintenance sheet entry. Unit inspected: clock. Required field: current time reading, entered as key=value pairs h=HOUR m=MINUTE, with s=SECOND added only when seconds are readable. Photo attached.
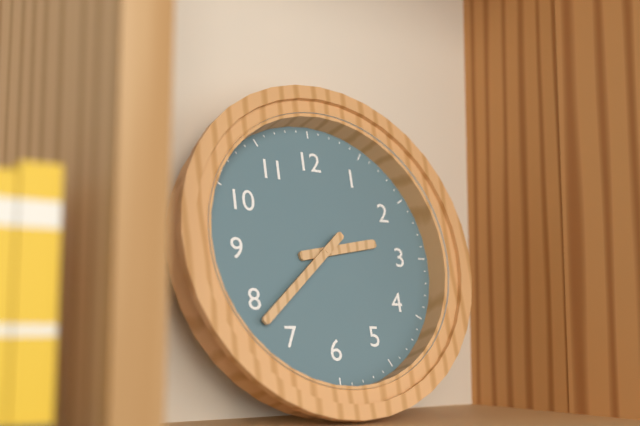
h=2 m=38
